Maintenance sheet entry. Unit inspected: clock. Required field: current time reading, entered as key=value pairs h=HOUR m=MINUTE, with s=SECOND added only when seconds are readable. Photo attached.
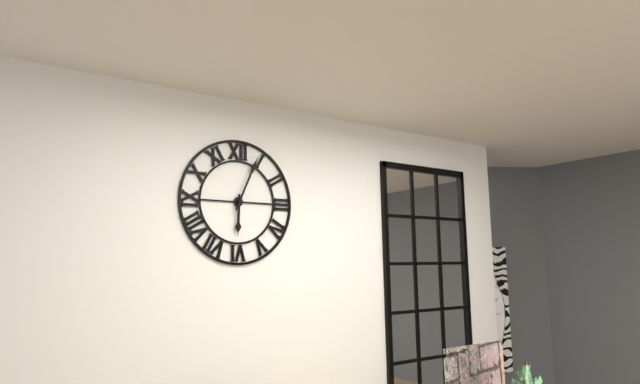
h=6 m=4
